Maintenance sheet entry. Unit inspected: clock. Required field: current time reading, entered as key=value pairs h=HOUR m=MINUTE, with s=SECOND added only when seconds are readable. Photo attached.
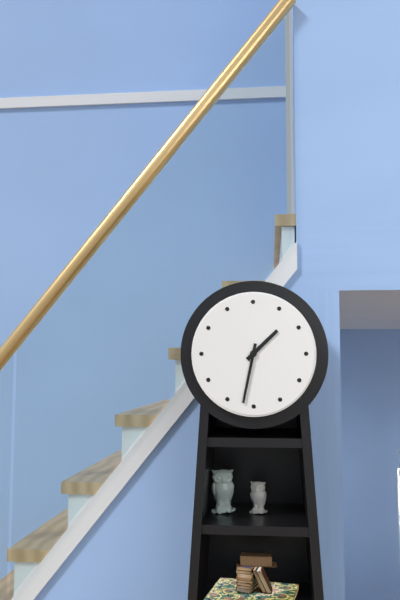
h=1 m=32
